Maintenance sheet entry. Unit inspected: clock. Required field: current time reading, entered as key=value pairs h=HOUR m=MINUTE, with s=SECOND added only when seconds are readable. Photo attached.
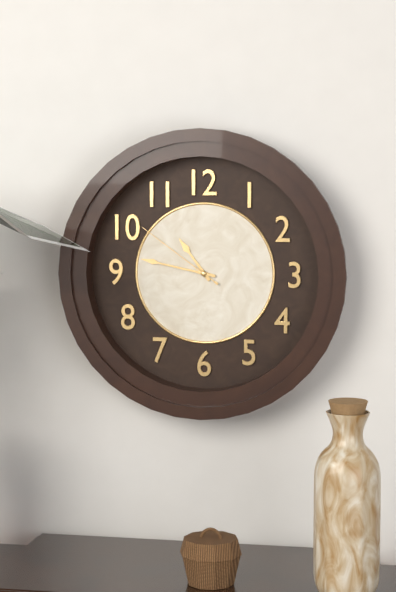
h=10 m=47 s=51
